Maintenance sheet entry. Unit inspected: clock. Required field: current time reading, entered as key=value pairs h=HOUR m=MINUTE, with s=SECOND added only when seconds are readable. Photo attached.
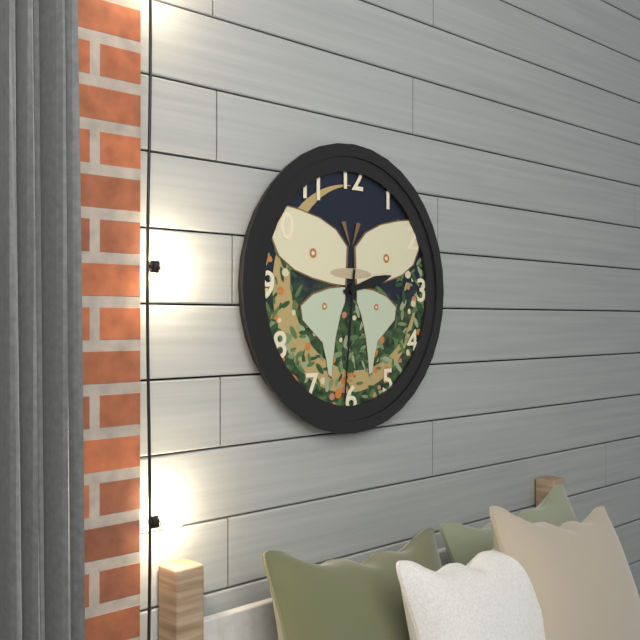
h=2 m=31
